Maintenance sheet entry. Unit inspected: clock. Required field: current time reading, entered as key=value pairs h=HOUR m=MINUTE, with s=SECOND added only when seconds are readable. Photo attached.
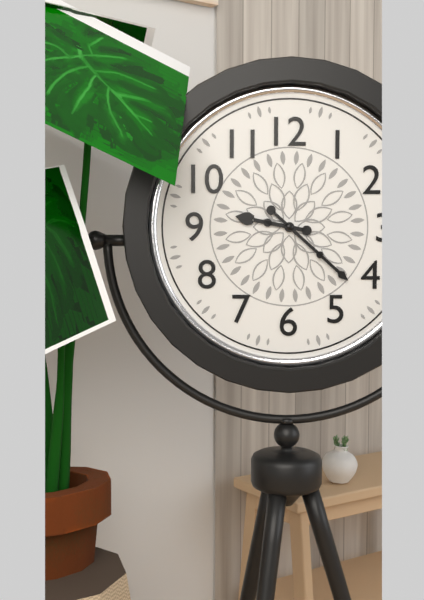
h=9 m=22
